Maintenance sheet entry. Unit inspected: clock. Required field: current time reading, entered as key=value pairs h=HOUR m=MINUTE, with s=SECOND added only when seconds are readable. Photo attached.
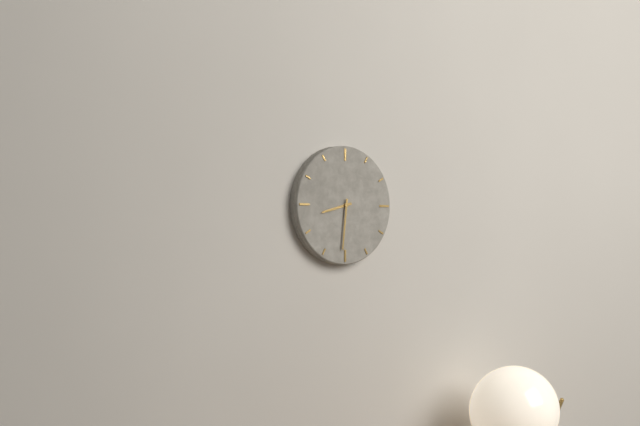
h=8 m=31
